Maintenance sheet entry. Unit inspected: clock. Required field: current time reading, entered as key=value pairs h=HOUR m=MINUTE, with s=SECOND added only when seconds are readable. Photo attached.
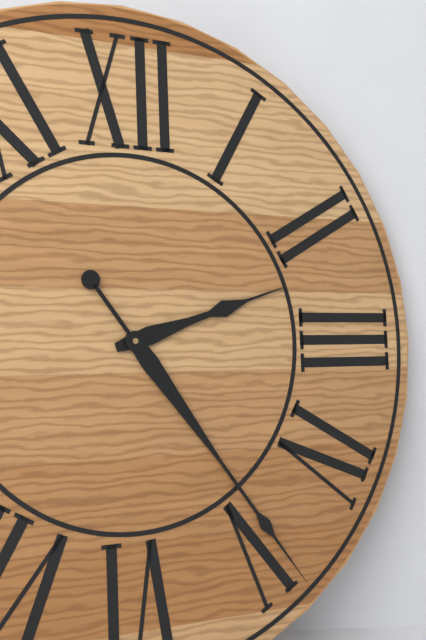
h=2 m=24
